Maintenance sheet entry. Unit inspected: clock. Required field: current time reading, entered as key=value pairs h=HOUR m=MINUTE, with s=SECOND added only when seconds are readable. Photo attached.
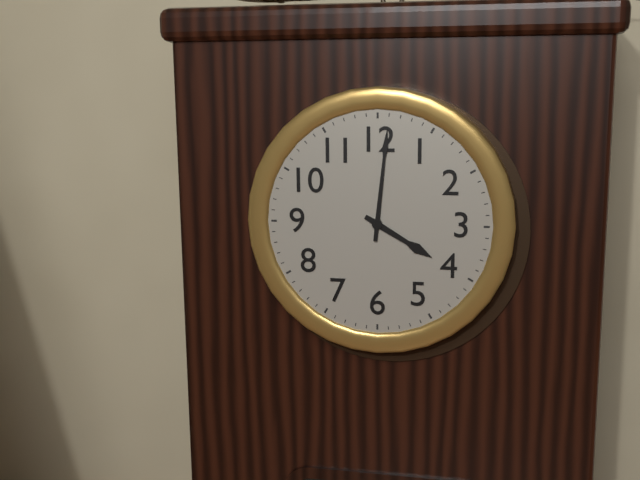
h=4 m=1
